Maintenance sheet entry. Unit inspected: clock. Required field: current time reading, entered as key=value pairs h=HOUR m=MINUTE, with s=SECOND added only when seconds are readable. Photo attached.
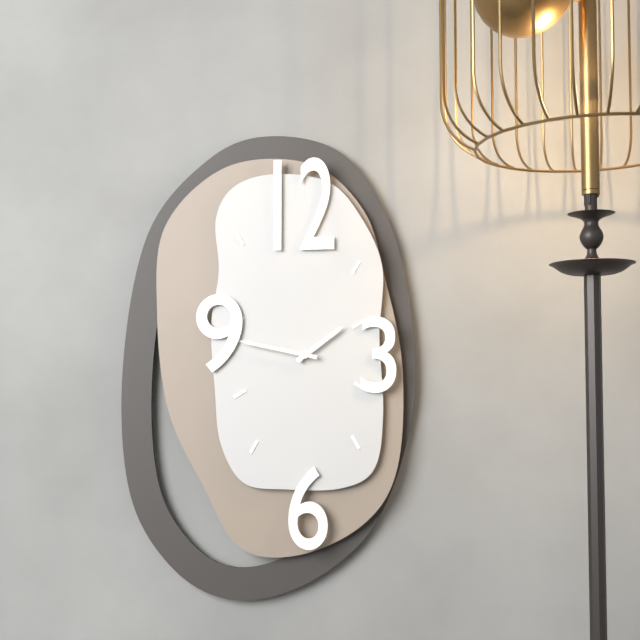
h=1 m=47
